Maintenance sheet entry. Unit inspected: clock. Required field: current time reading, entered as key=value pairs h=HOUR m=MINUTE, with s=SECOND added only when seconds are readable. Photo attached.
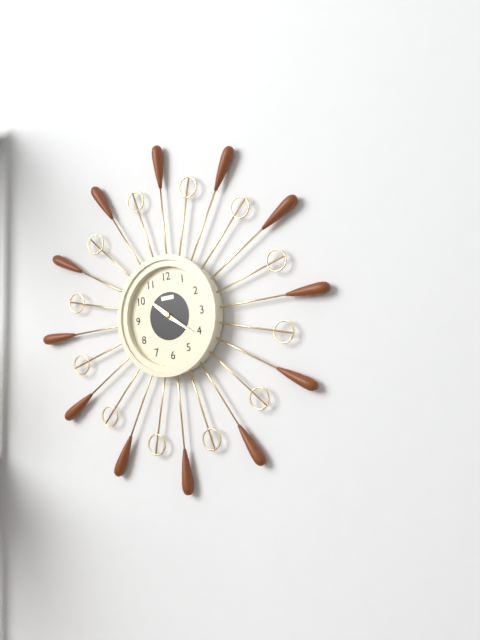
h=10 m=21
